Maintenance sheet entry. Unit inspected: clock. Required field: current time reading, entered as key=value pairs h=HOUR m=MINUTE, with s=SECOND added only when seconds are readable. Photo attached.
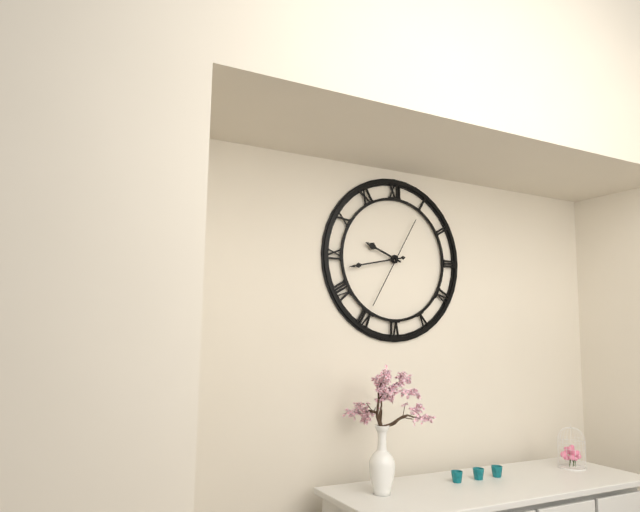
h=9 m=43 s=35
